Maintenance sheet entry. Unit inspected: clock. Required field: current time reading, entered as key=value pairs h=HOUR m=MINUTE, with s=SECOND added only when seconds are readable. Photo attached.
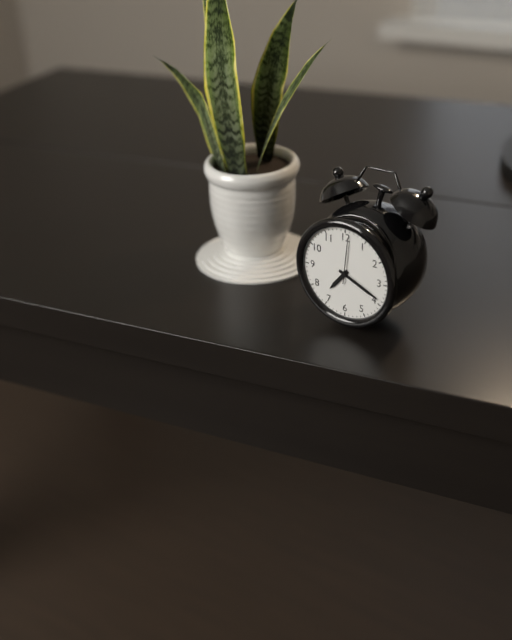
h=7 m=19 s=1
